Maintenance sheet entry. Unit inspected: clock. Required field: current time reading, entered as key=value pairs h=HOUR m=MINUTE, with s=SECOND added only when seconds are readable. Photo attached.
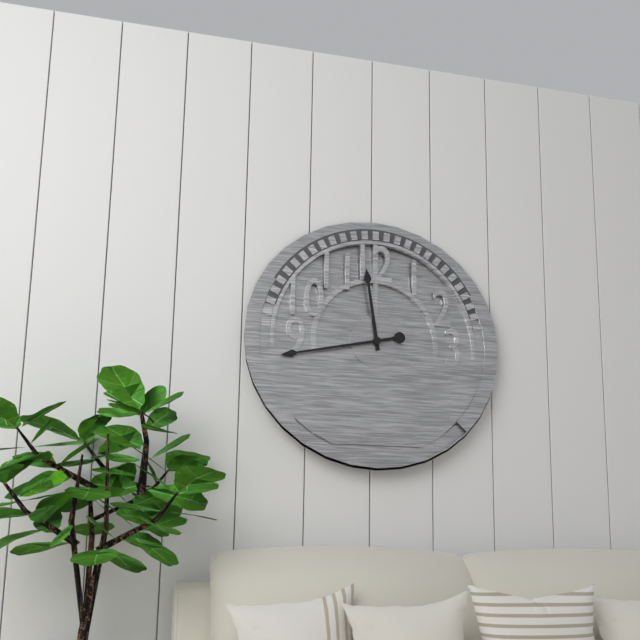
h=11 m=43
